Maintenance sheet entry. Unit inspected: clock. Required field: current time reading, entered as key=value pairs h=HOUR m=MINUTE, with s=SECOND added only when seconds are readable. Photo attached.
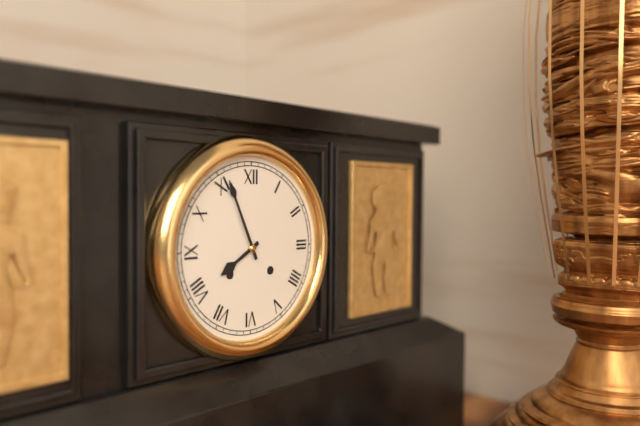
h=7 m=56
